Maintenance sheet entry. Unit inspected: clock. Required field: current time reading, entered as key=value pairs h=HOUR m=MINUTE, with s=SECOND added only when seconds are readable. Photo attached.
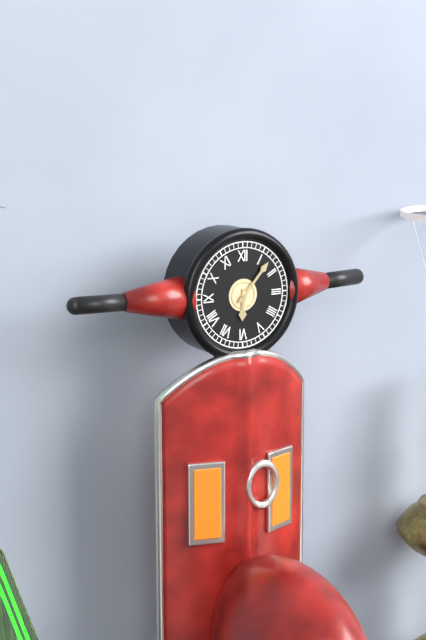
h=6 m=7
